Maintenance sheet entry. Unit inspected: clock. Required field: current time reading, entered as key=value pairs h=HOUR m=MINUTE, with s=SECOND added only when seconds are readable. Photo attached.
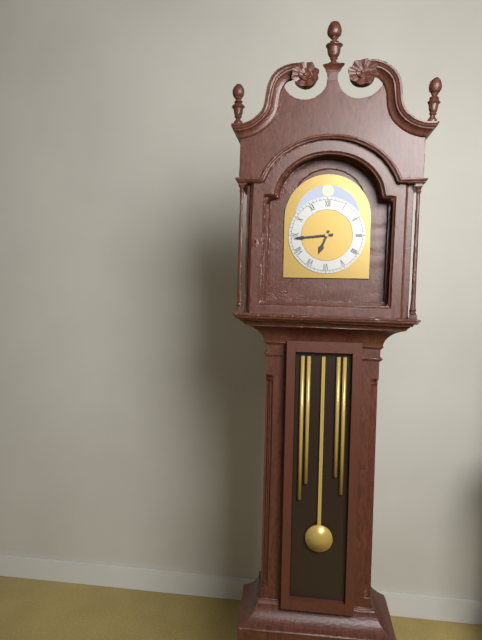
h=6 m=44
